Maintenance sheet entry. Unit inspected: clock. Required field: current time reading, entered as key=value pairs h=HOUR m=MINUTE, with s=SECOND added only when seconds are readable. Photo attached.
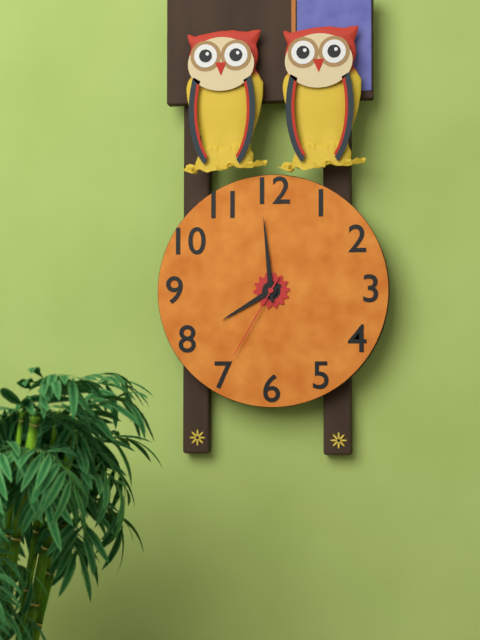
h=7 m=59 s=35
